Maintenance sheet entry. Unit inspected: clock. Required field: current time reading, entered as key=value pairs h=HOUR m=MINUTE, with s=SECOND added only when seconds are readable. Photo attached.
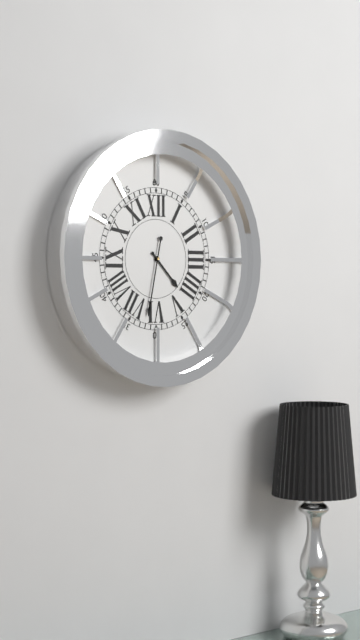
h=4 m=32
